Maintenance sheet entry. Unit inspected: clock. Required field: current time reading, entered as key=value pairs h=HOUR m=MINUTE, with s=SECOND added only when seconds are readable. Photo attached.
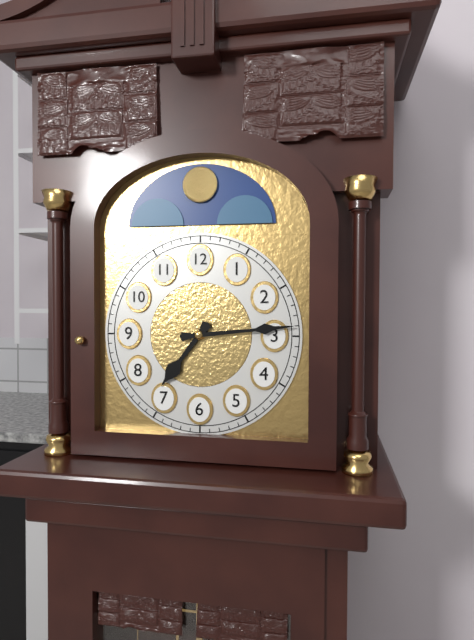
h=7 m=14
